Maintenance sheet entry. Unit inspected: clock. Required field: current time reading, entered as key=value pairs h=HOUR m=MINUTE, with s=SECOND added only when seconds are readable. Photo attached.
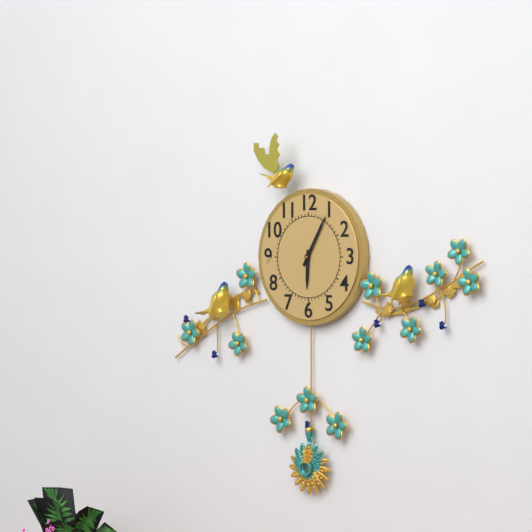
h=6 m=5
